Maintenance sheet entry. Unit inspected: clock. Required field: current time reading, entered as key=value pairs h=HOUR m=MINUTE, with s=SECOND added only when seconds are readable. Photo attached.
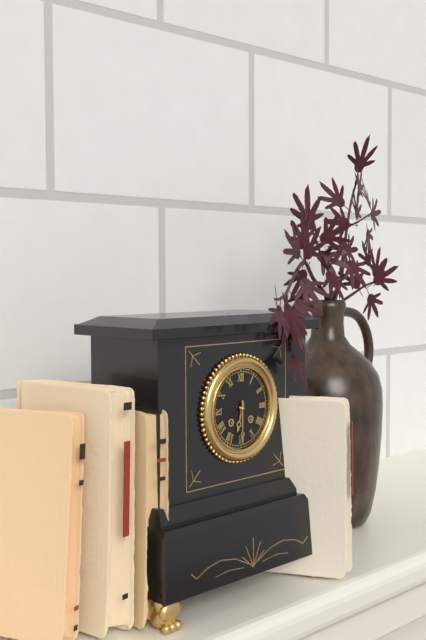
h=6 m=30
